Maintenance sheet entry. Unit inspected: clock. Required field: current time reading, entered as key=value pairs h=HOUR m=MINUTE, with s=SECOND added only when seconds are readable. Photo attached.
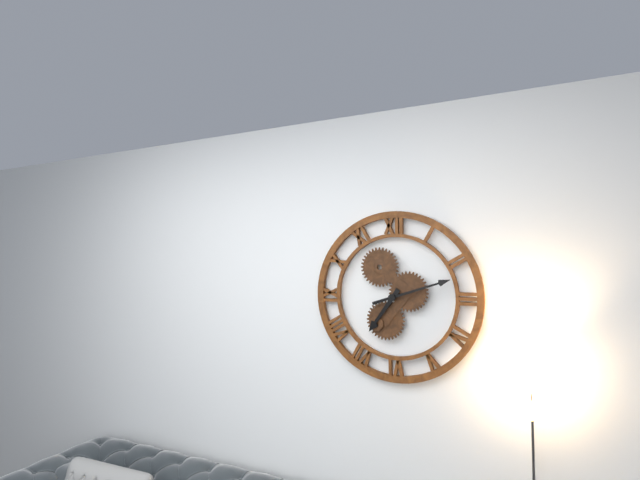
h=7 m=12
